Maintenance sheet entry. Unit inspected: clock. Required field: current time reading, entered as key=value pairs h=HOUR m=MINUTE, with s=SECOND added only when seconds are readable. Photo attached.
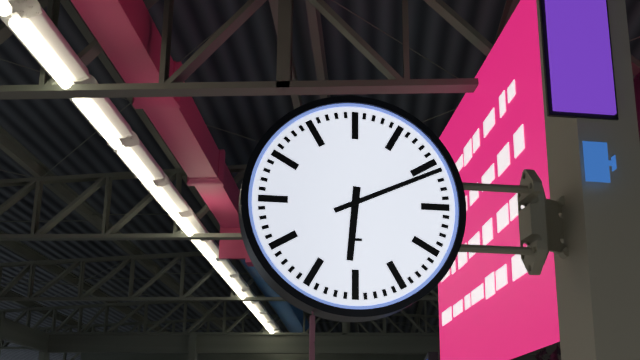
h=6 m=11
